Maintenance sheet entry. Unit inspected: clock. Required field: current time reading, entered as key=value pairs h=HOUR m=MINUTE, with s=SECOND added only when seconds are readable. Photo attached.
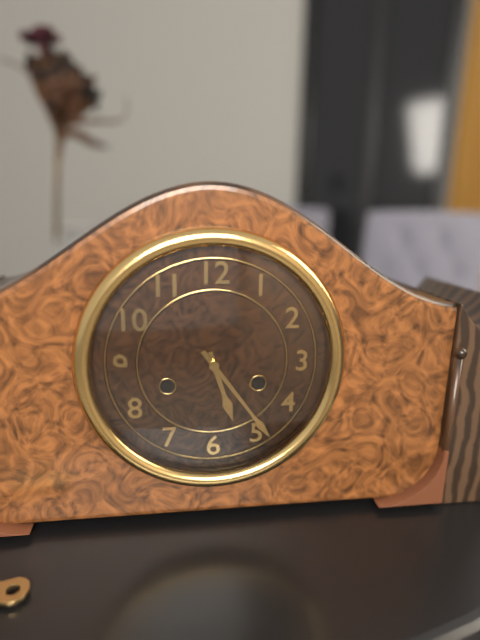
h=5 m=24
